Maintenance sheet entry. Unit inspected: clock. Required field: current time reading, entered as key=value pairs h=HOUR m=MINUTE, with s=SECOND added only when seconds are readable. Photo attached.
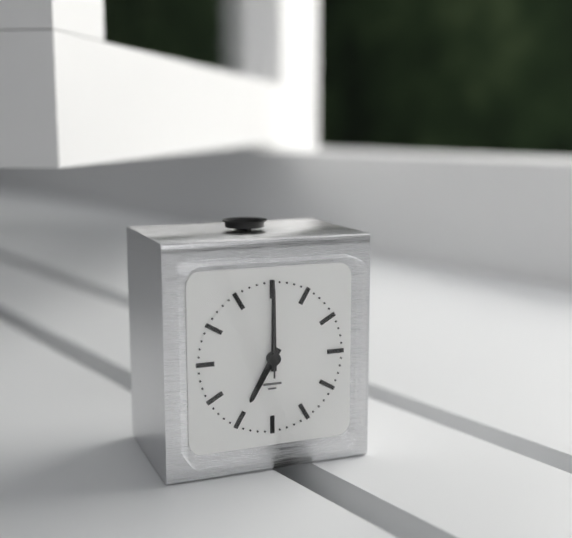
h=7 m=0 s=0
